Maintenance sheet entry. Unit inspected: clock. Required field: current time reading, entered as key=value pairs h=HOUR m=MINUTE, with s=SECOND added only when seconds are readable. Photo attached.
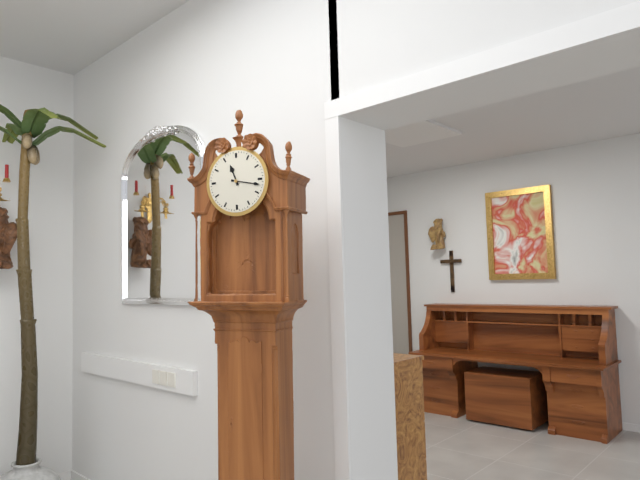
h=11 m=17
